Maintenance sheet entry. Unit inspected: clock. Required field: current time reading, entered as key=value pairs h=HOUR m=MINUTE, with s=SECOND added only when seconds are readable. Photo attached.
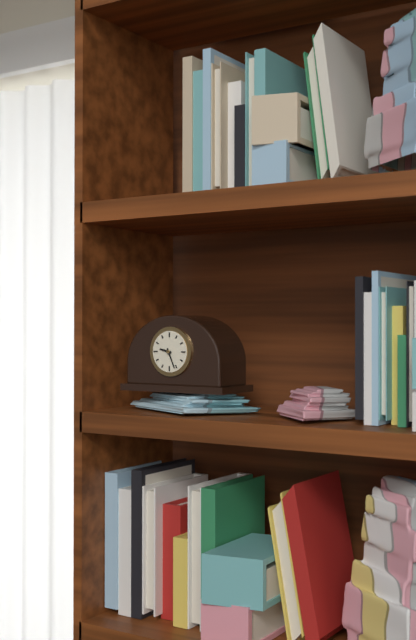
h=9 m=26
